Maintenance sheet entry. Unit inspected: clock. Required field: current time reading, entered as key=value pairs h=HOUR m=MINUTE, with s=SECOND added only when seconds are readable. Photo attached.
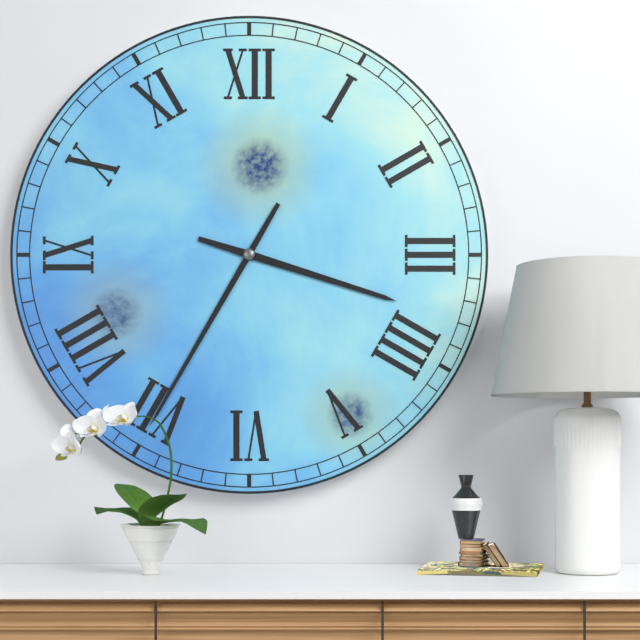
h=3 m=35
